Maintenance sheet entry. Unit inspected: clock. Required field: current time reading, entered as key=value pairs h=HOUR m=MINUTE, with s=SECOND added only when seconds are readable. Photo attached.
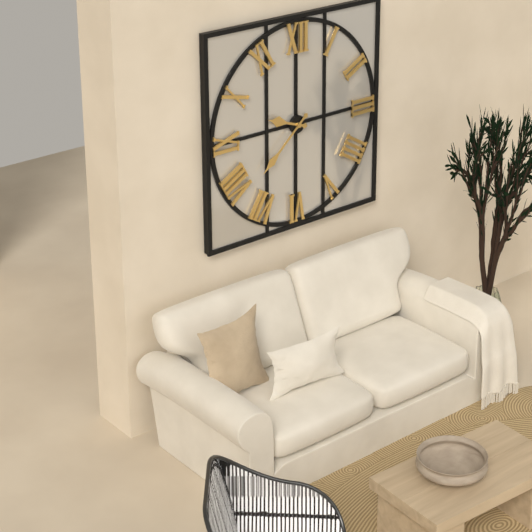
h=9 m=38
